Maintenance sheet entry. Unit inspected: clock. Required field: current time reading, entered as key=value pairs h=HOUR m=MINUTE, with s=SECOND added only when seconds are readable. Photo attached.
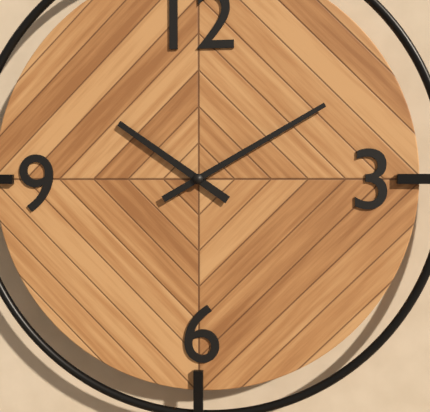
h=10 m=10
